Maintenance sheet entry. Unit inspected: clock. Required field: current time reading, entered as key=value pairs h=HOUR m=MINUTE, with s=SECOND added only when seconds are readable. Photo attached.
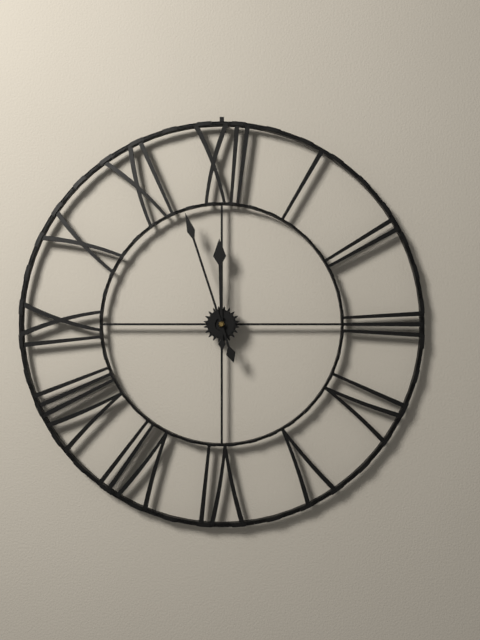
h=11 m=57
